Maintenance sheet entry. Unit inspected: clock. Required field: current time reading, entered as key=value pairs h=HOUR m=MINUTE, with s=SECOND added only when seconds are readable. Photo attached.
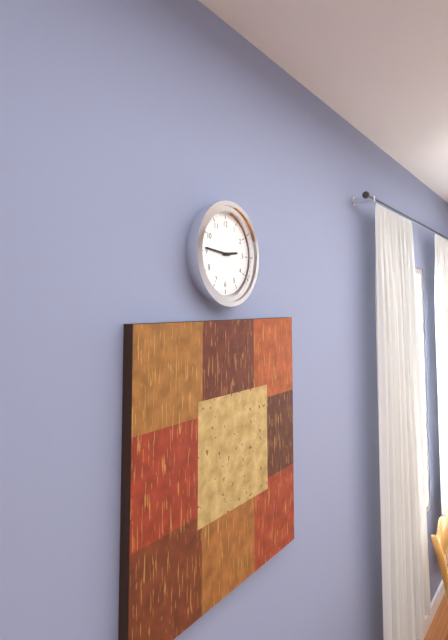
h=2 m=46
